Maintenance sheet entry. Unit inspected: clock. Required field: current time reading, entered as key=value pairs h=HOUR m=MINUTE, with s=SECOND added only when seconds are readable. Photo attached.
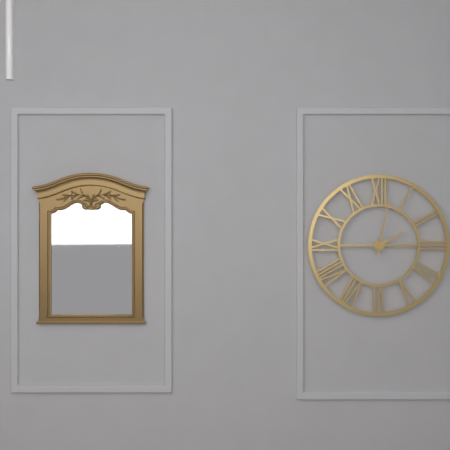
h=2 m=2
